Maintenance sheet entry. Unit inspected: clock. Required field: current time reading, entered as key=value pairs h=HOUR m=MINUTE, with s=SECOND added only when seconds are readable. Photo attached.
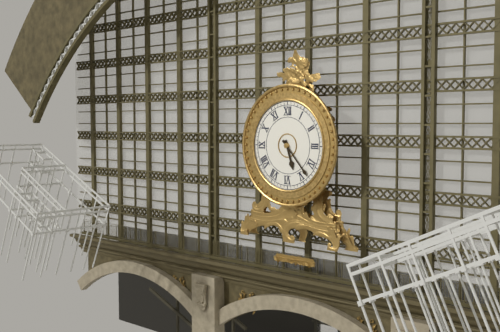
h=5 m=23
